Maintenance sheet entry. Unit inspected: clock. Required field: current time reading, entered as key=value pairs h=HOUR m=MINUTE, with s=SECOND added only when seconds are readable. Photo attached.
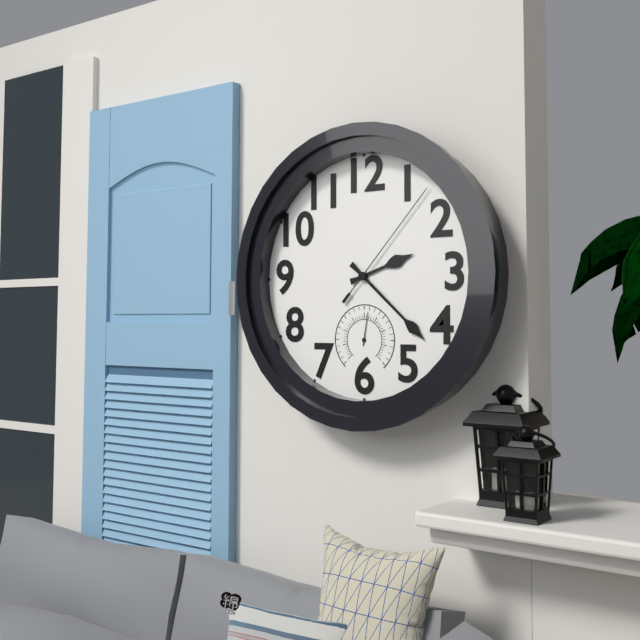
h=2 m=22 s=7
